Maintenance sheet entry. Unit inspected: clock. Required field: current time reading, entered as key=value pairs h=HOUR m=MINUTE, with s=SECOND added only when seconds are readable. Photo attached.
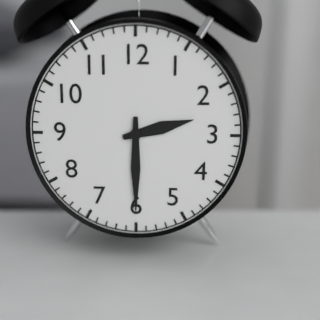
h=2 m=30
